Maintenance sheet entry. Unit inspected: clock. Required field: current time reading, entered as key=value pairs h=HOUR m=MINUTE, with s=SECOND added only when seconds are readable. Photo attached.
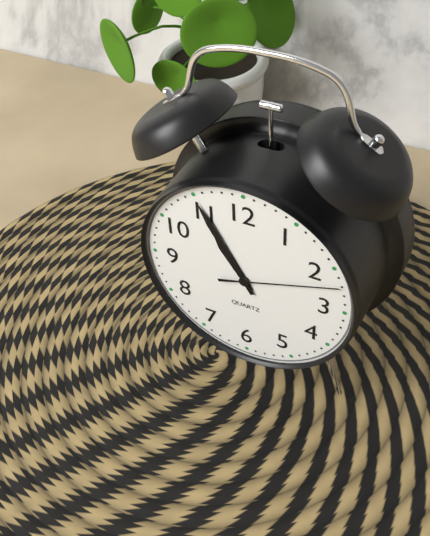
h=10 m=55 s=12
